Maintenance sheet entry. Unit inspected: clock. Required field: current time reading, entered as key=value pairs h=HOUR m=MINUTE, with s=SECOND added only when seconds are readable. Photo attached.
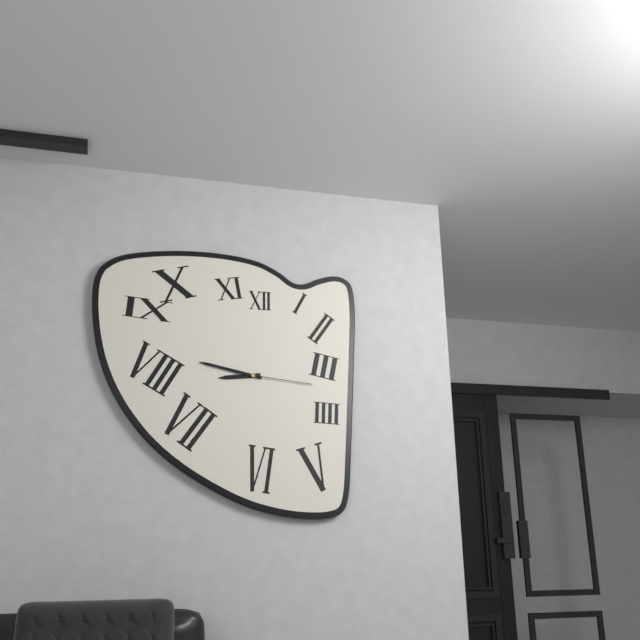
h=8 m=47 s=16
